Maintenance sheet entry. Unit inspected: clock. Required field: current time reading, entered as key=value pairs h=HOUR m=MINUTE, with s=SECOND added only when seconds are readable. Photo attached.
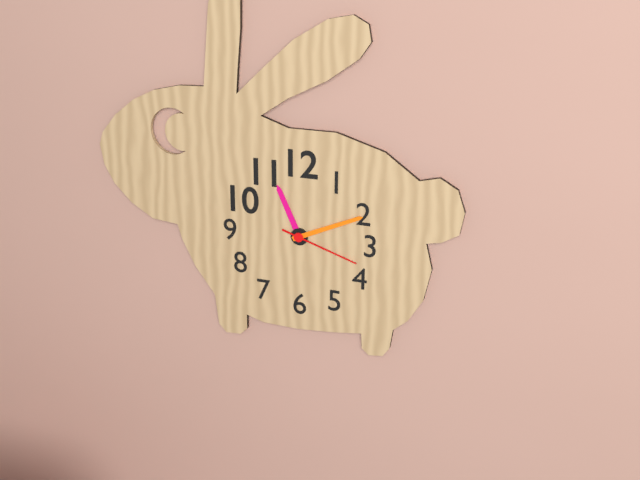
h=11 m=11 s=18
